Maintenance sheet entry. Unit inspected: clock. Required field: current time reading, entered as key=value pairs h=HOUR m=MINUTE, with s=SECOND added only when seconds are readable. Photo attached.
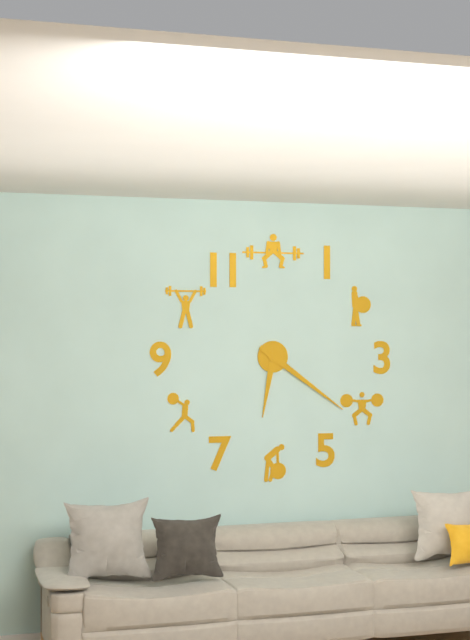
h=6 m=21
